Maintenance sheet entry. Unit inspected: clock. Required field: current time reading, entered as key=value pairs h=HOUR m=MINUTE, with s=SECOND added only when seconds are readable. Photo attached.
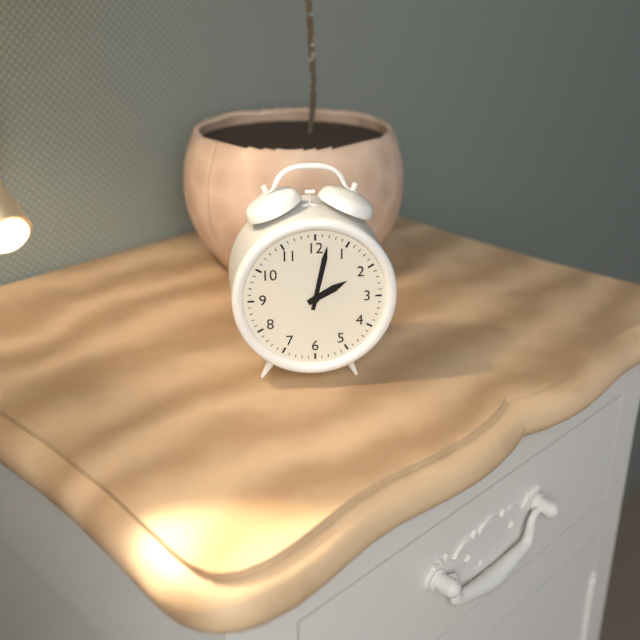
h=2 m=2
